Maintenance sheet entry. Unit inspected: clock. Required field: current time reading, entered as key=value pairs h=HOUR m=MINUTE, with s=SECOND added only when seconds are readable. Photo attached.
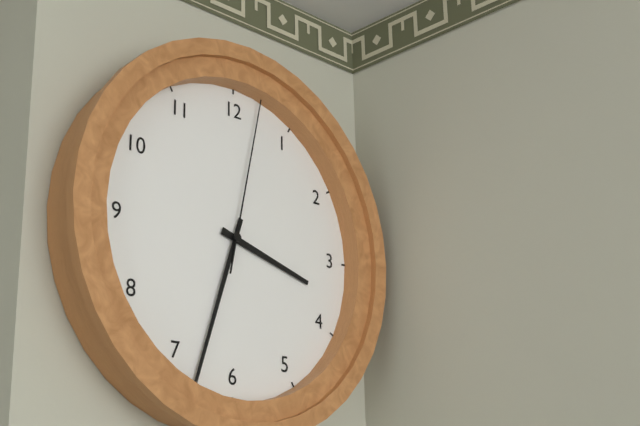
h=3 m=33 s=2
